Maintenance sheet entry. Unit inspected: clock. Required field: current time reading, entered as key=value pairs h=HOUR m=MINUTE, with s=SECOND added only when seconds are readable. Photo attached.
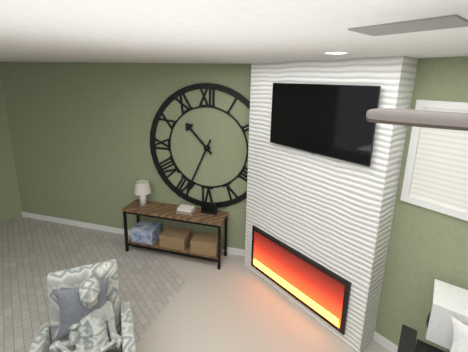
h=10 m=34
